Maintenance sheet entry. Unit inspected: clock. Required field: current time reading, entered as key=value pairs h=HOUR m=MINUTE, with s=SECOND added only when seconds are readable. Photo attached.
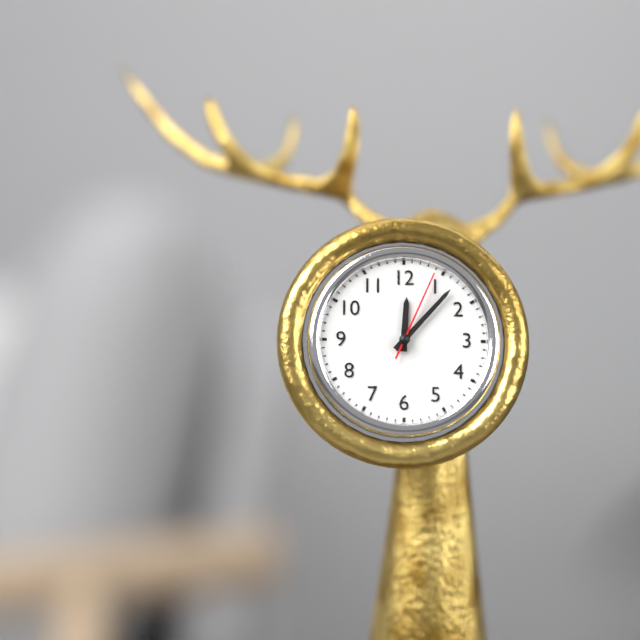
h=12 m=7 s=4
